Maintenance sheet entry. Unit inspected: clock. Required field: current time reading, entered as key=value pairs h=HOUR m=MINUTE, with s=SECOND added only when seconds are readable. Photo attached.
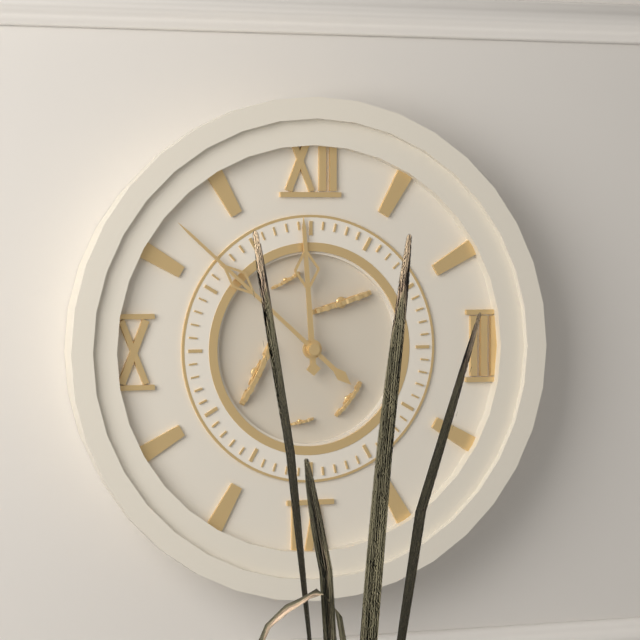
h=11 m=52
